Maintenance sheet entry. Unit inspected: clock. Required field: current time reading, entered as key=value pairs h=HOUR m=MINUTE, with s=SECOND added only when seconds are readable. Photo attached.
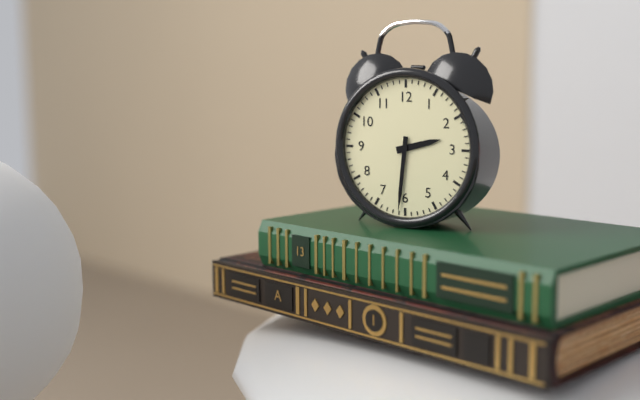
h=2 m=31
